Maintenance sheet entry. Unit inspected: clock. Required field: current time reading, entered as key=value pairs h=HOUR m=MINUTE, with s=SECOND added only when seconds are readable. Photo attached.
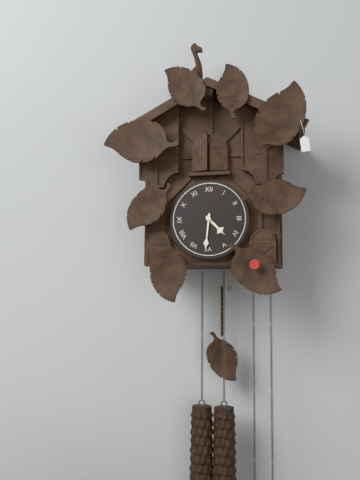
h=4 m=31
